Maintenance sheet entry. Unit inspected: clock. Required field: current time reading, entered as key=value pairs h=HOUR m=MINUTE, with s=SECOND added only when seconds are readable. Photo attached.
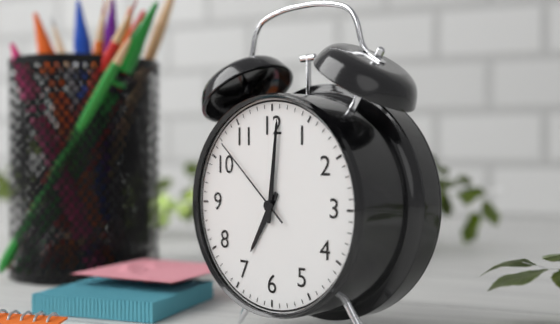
h=7 m=1 s=52
